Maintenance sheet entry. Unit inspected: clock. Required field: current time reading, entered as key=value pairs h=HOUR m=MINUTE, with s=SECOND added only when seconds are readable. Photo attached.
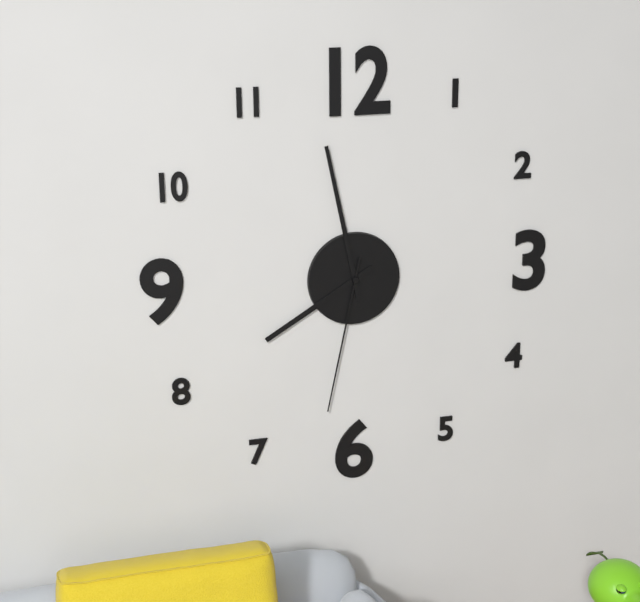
h=7 m=58 s=32
